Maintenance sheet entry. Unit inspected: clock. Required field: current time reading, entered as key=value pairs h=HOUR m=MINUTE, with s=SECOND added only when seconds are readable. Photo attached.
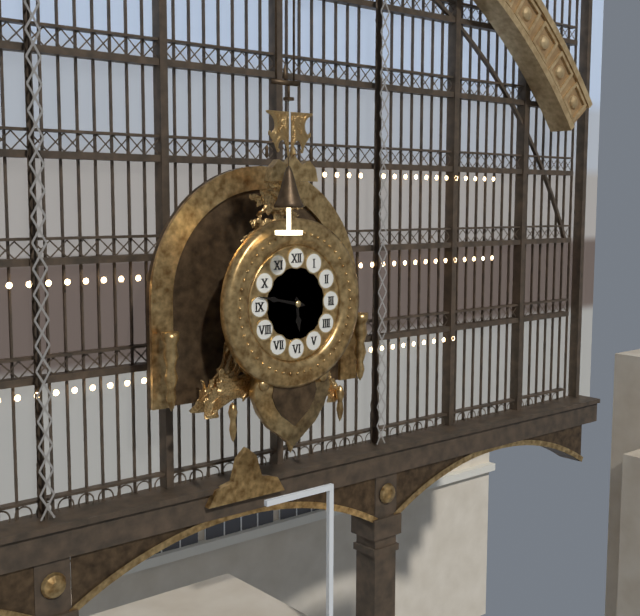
h=5 m=47
